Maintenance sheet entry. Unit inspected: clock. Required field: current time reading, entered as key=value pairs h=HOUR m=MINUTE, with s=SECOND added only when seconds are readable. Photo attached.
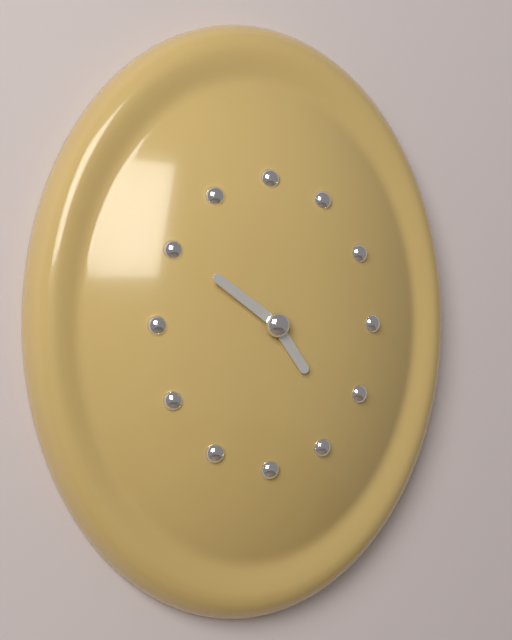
h=4 m=51
